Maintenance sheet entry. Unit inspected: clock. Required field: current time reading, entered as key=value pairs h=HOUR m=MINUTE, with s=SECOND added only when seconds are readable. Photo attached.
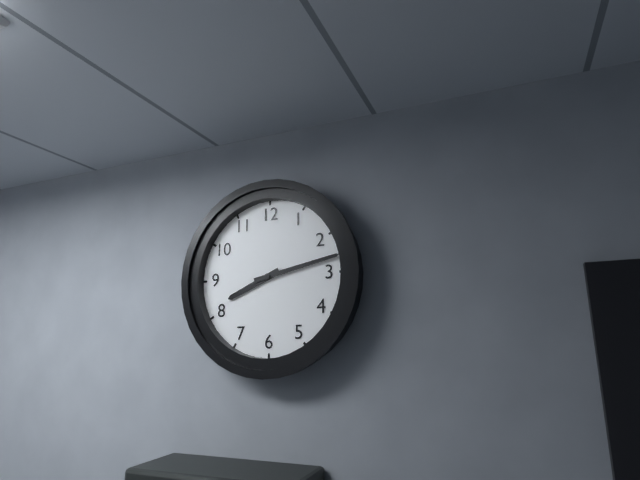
h=8 m=13
